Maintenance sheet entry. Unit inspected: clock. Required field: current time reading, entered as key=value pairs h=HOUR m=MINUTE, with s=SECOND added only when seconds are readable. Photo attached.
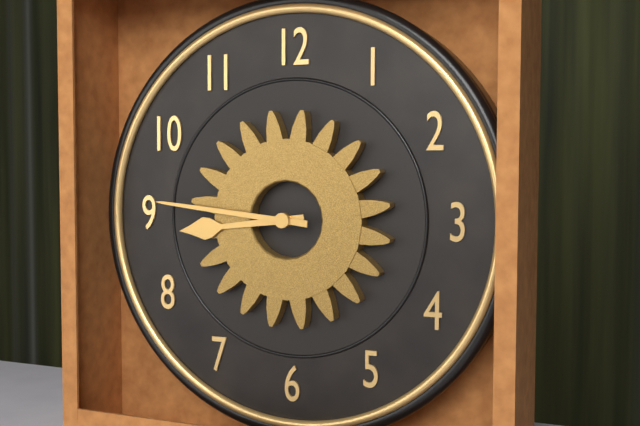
h=8 m=46
